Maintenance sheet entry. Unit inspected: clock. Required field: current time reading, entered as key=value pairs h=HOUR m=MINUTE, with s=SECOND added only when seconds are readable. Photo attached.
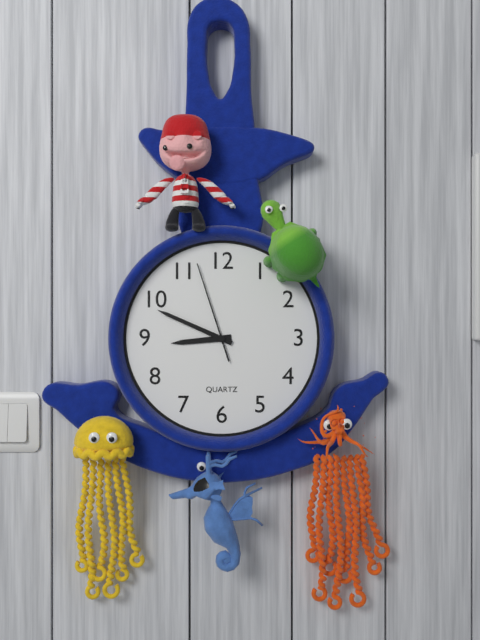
h=8 m=49 s=57
